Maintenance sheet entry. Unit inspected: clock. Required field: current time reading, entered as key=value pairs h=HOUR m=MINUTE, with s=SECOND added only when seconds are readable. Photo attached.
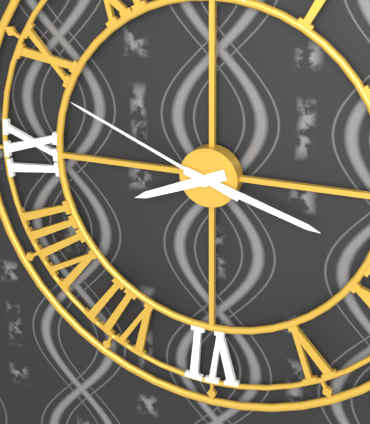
h=8 m=18 s=49
